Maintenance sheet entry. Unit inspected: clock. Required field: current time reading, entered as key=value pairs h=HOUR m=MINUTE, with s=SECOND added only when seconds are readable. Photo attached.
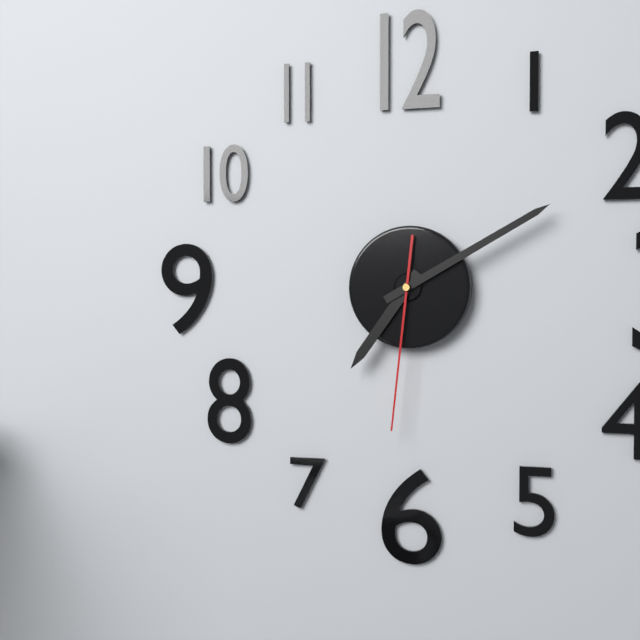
h=7 m=10 s=31
